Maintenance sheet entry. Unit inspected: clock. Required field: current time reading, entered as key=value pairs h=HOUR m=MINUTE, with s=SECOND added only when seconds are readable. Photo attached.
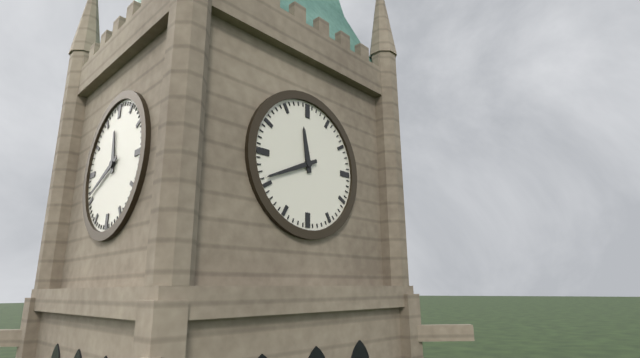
h=11 m=41
